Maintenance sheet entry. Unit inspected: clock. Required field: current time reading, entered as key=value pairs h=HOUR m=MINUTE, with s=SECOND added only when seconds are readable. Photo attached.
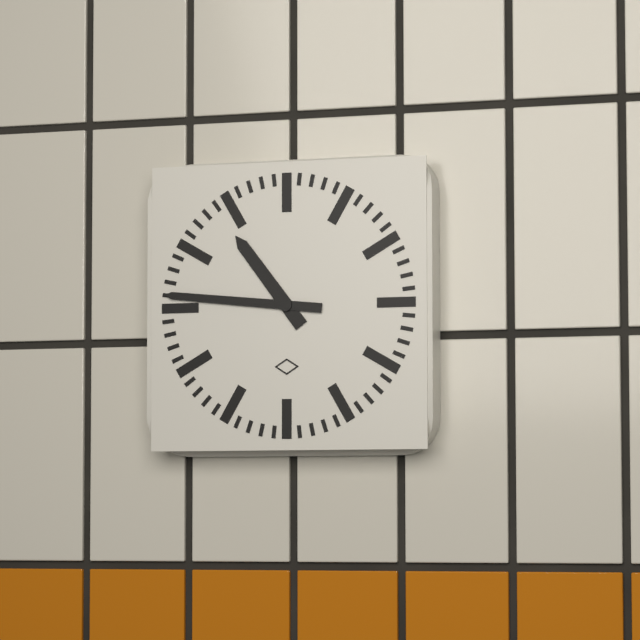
h=10 m=46
